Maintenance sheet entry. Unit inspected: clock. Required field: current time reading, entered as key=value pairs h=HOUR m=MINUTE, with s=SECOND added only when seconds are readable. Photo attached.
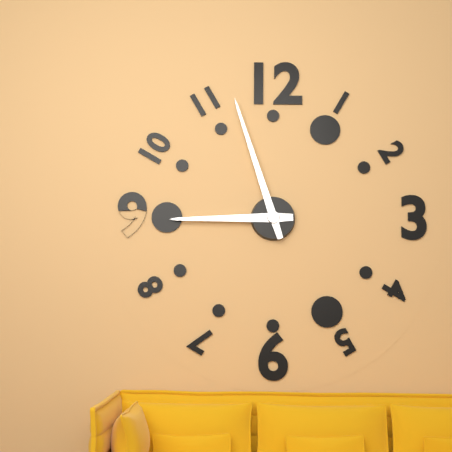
h=8 m=57
